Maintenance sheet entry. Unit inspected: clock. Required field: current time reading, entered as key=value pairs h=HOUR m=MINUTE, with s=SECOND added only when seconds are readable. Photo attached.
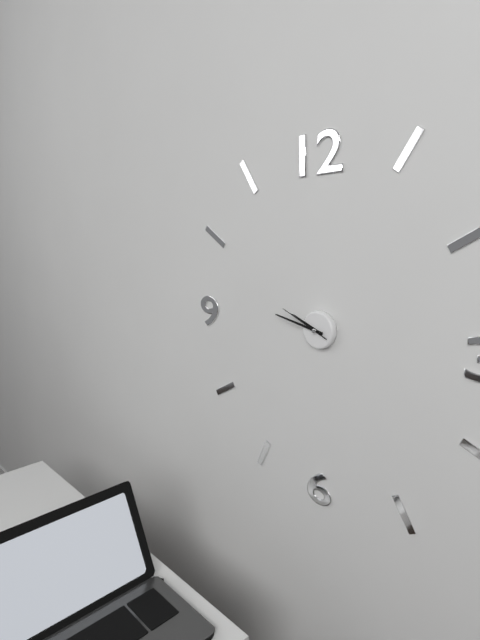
h=9 m=47
